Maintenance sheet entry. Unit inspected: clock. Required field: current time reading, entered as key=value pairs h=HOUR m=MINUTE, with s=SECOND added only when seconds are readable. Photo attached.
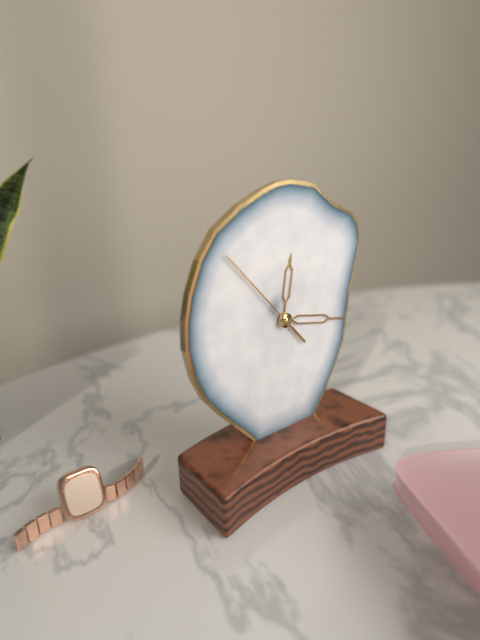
h=12 m=17 s=53
